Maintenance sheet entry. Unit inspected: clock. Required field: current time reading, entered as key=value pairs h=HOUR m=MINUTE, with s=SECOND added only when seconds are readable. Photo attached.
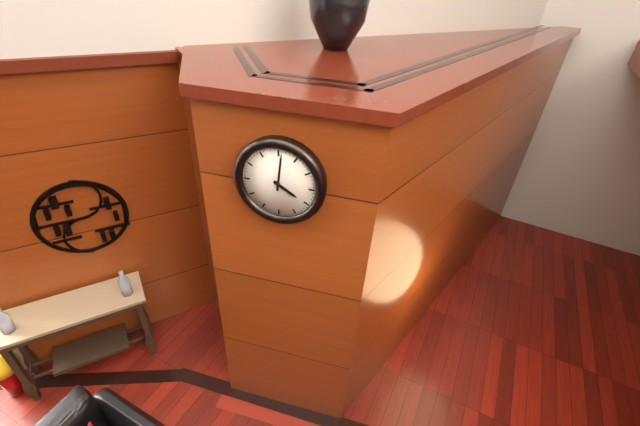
h=4 m=1
